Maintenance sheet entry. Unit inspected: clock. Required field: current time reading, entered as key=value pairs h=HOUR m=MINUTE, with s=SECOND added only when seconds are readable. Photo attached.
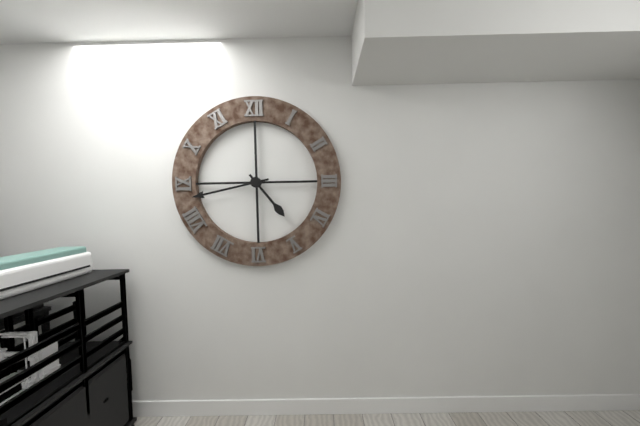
h=4 m=43
